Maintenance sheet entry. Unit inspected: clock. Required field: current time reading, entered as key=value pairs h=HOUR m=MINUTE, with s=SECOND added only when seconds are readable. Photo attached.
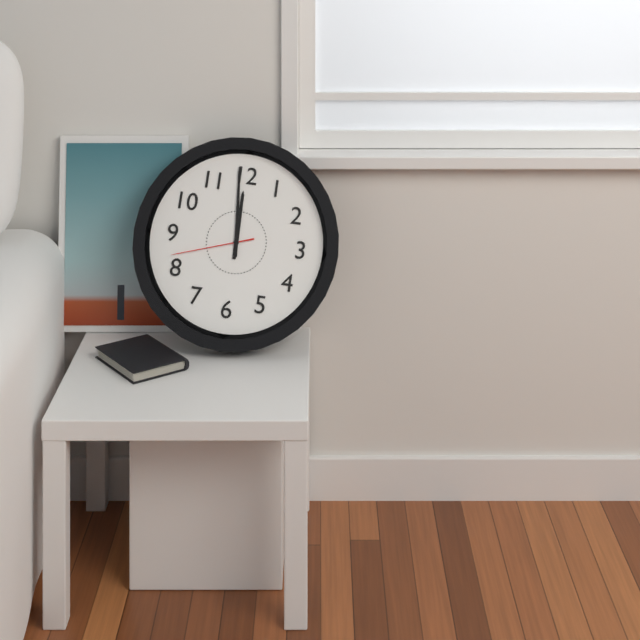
h=11 m=59 s=42
